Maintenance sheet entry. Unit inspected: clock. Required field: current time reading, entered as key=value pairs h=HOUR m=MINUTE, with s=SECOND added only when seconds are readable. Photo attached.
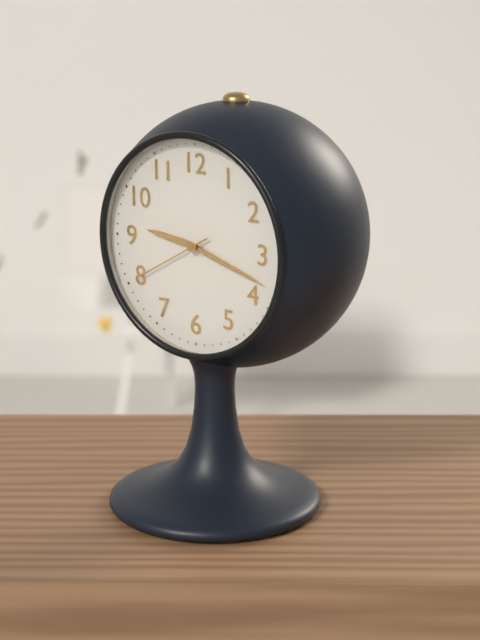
h=9 m=18 s=40
